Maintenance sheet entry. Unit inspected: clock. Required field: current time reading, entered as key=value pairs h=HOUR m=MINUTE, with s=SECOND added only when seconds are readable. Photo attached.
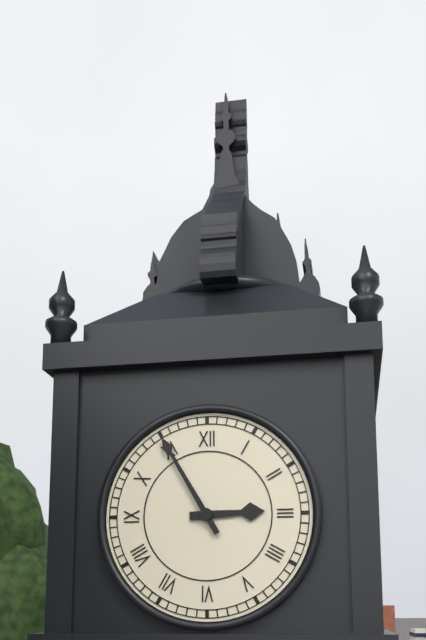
h=2 m=55
